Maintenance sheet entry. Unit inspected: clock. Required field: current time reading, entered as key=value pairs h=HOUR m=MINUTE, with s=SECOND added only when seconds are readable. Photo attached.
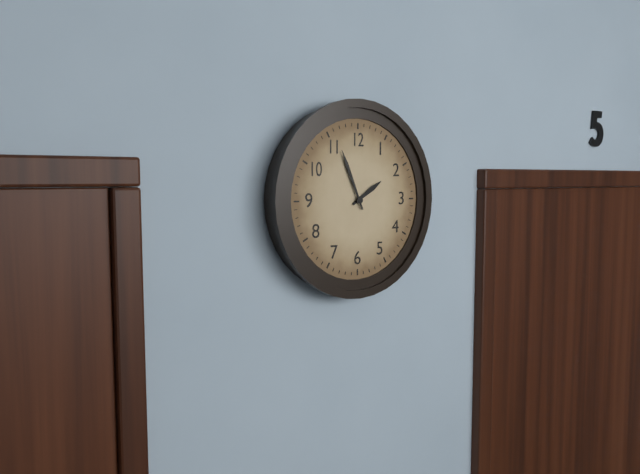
h=1 m=56
